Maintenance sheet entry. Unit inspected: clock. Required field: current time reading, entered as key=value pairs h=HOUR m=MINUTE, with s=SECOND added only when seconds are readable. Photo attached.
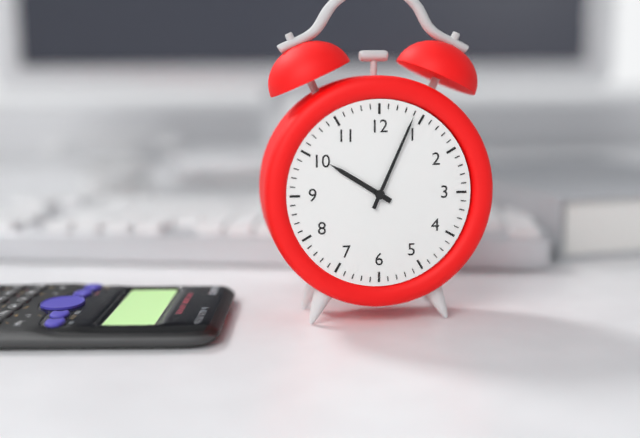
h=10 m=4
